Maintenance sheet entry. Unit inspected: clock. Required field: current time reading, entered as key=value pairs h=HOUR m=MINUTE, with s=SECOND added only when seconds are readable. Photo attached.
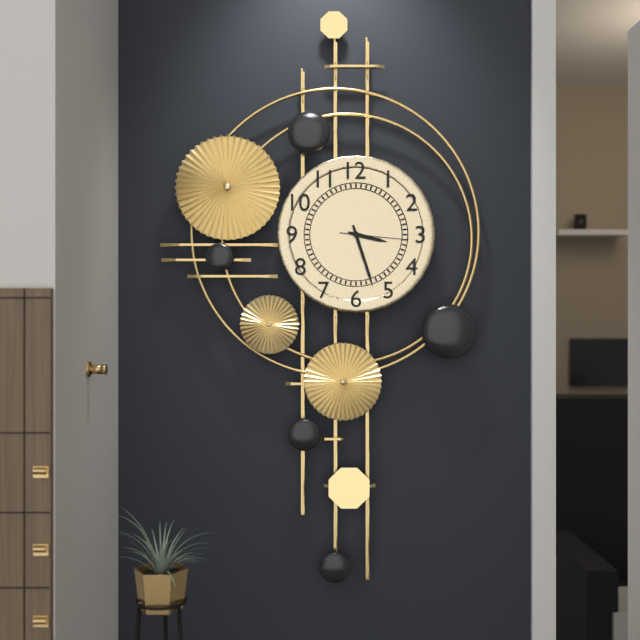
h=3 m=27 s=16
